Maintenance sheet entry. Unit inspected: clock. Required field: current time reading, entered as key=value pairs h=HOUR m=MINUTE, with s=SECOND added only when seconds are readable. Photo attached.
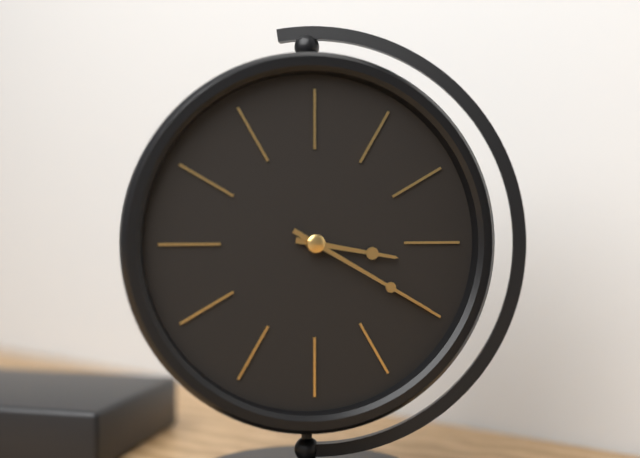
h=3 m=20
